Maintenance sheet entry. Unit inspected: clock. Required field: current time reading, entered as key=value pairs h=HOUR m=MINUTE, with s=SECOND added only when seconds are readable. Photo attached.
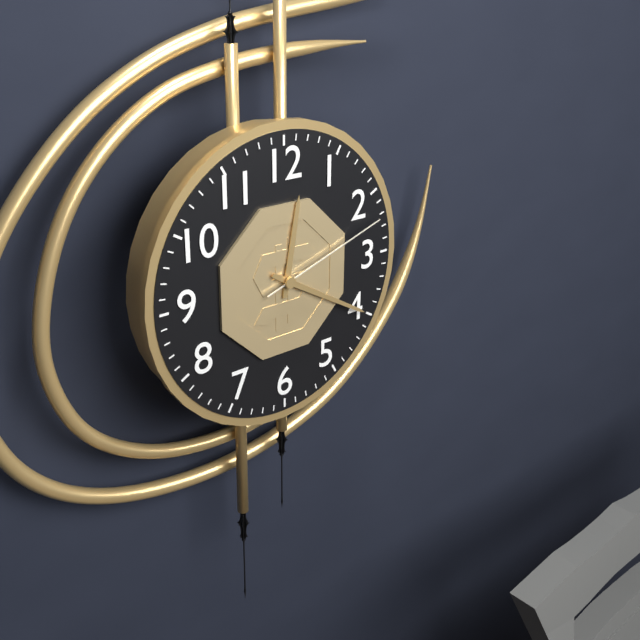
h=12 m=20 s=12
